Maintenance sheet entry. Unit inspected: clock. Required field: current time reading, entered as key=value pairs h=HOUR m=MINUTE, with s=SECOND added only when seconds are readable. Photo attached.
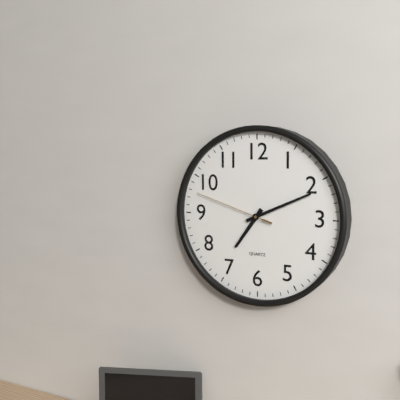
h=7 m=11 s=48
